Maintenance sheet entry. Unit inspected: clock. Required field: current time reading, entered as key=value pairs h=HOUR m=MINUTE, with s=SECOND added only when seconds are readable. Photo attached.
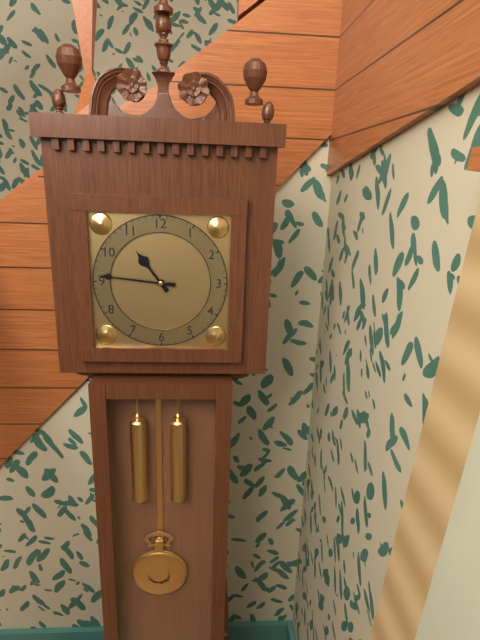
h=10 m=46
